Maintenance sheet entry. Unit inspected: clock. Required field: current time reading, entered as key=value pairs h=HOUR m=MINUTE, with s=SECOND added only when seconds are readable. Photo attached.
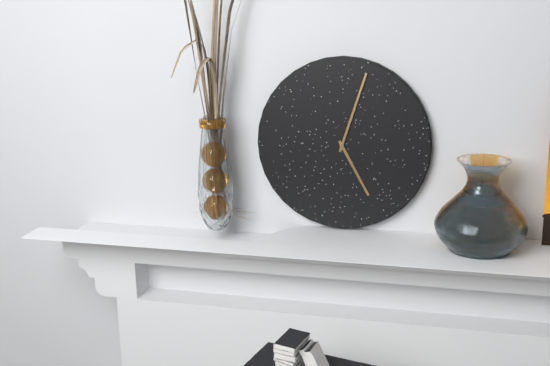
h=5 m=3
